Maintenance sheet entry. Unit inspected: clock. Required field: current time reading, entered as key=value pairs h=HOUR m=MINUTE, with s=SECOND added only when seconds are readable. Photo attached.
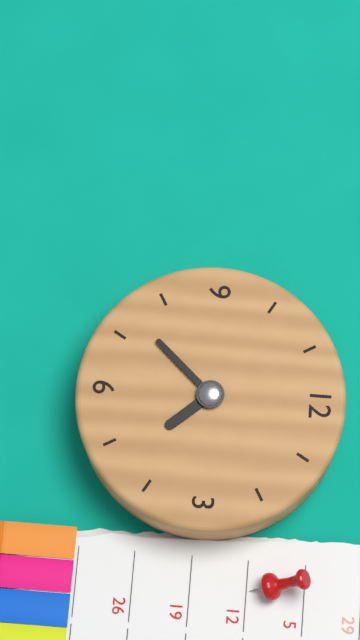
h=4 m=37
